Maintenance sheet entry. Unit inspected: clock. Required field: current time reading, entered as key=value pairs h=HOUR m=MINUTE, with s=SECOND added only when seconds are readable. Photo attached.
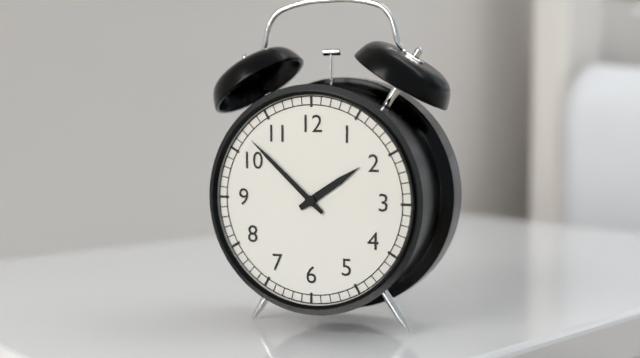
h=1 m=52
